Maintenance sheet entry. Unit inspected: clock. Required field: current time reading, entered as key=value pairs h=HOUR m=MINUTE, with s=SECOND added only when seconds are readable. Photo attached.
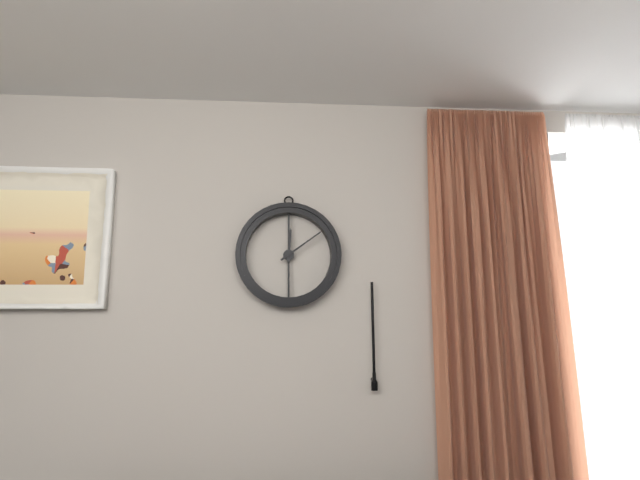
h=12 m=9
